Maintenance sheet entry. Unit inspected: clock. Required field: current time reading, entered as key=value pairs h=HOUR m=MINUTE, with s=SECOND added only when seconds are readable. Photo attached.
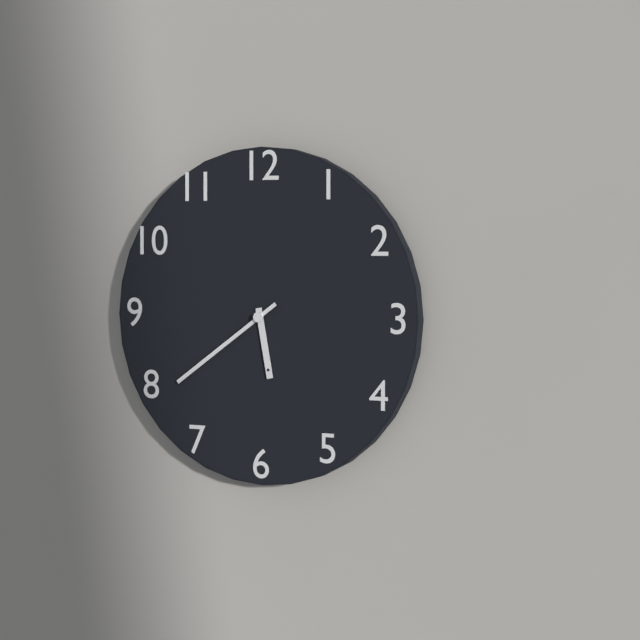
h=5 m=39
